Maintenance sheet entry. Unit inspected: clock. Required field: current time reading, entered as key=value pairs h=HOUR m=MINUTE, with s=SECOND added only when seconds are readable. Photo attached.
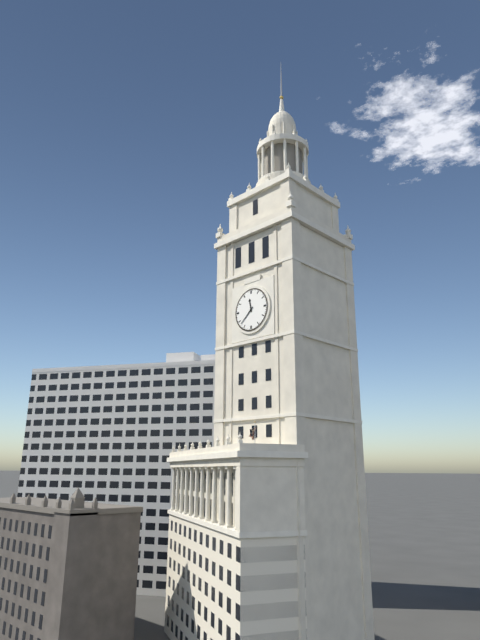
h=11 m=38
